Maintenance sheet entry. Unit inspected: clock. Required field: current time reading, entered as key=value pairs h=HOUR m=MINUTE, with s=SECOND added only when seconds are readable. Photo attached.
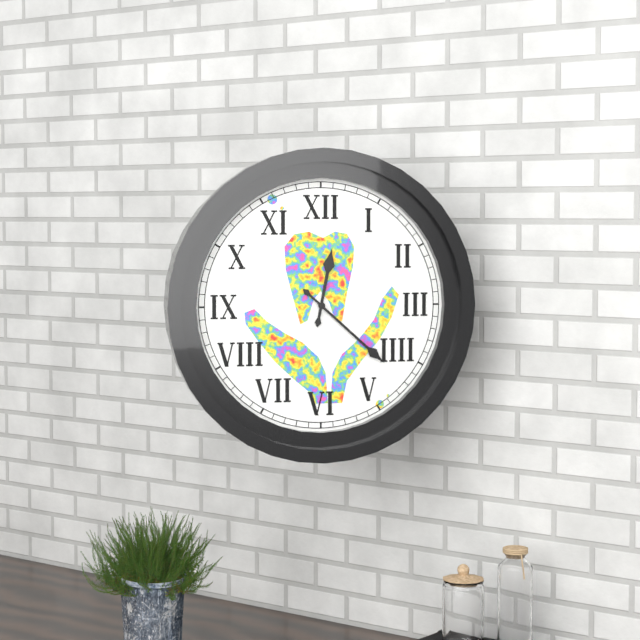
h=12 m=22
